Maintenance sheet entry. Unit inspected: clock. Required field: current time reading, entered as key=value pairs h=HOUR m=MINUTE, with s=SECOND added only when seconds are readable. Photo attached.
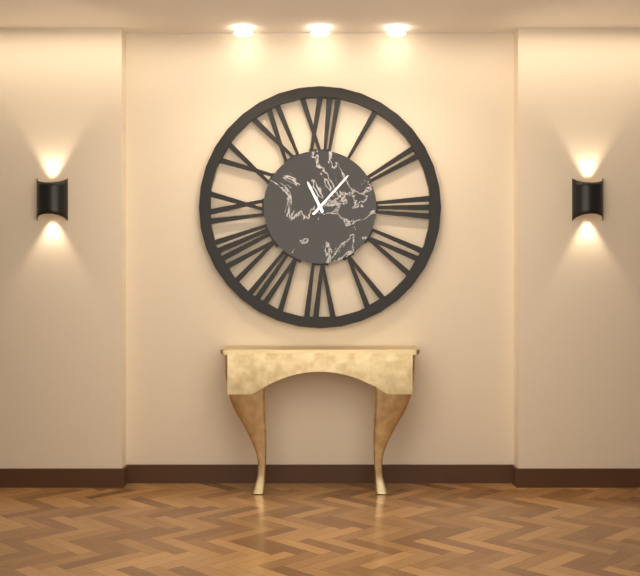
h=11 m=7
